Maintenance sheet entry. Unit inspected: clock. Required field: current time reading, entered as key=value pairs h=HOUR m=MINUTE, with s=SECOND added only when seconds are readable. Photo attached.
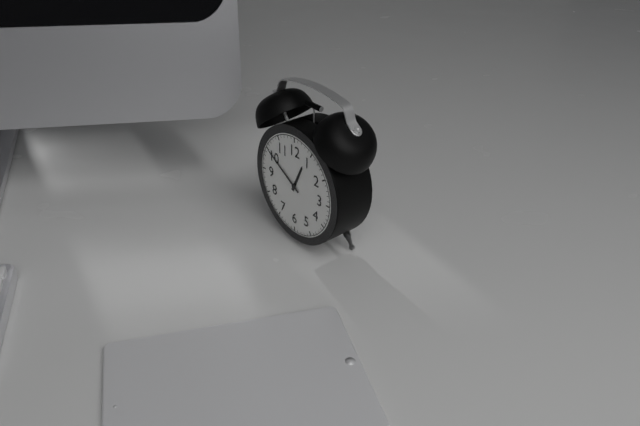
h=12 m=50
